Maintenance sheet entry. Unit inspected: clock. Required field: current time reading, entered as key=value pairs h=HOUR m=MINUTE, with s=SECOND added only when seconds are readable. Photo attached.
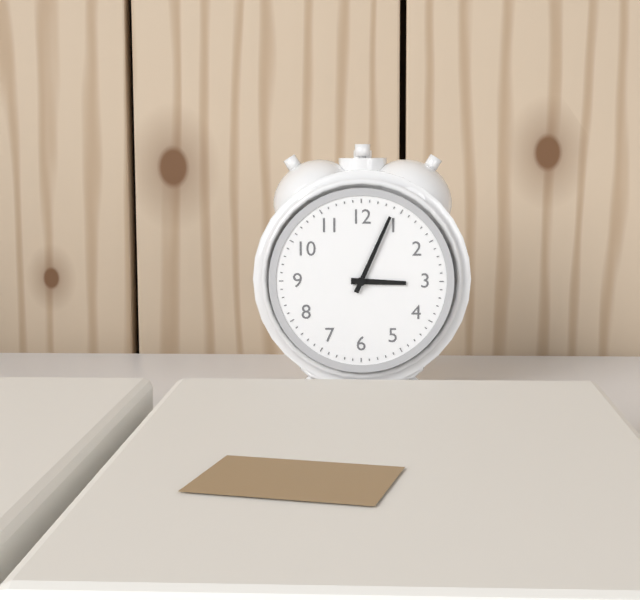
h=3 m=4
